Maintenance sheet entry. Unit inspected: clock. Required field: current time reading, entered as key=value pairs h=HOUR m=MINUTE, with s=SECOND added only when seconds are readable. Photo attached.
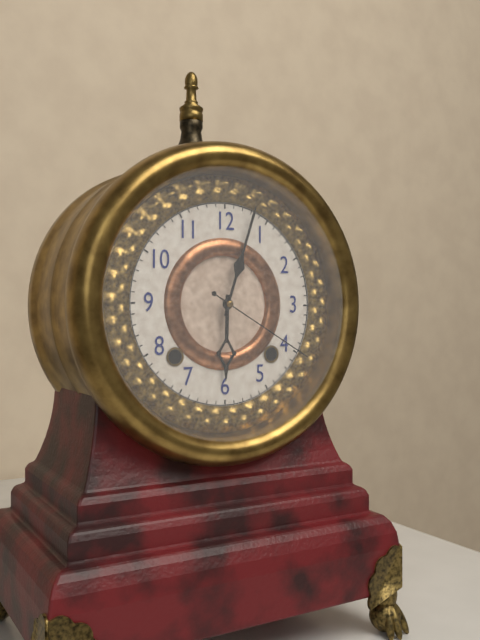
h=6 m=3 s=20
